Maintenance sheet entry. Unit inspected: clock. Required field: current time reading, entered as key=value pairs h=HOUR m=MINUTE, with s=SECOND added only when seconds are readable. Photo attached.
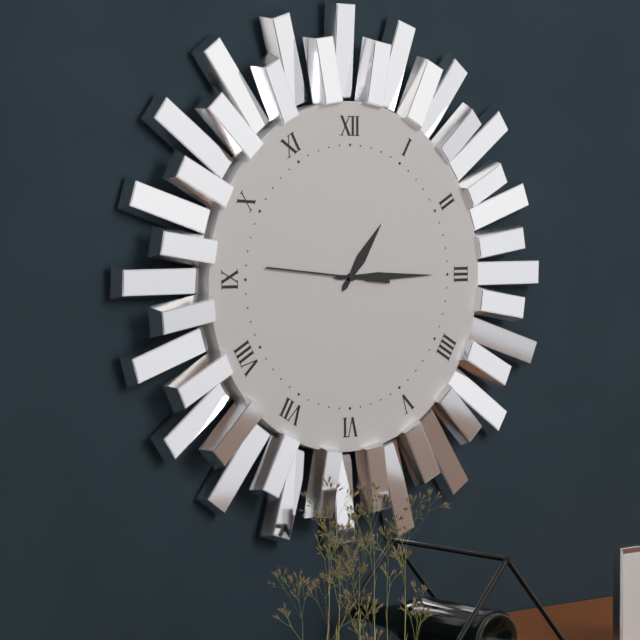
h=1 m=15 s=46
